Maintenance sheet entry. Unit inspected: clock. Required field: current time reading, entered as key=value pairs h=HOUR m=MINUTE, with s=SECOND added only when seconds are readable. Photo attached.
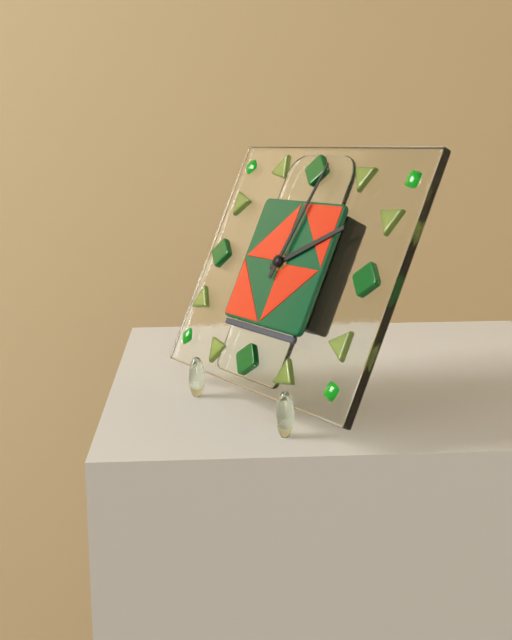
h=2 m=2
